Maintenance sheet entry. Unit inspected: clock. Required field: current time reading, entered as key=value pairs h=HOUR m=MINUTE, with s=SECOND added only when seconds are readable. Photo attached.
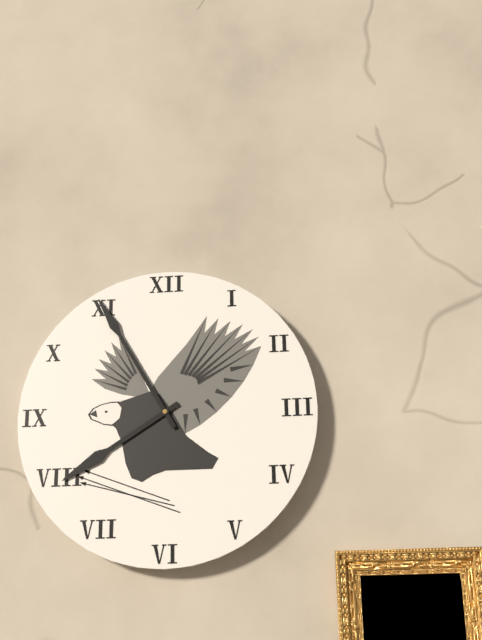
h=7 m=55
